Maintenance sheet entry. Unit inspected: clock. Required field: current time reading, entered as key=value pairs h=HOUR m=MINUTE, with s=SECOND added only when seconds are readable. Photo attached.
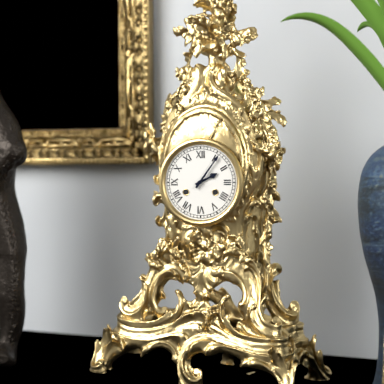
h=2 m=6
